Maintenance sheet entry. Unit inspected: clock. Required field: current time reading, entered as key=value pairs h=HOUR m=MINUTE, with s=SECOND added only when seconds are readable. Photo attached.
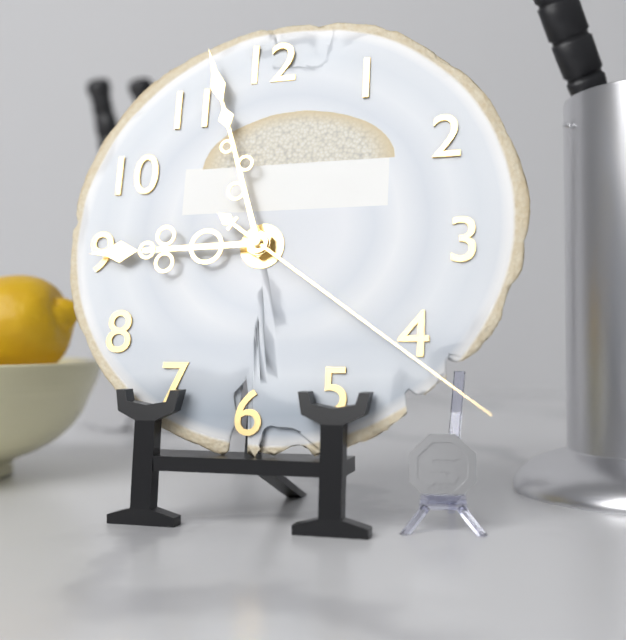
h=8 m=57 s=21
